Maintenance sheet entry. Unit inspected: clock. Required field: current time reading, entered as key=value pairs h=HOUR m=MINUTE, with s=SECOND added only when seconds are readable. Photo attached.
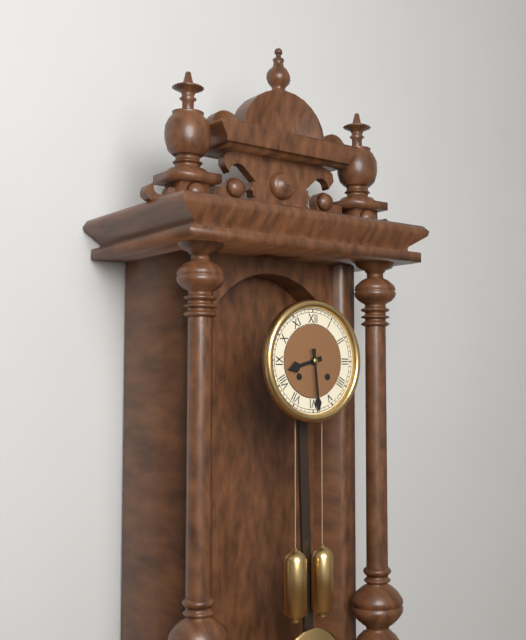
h=8 m=29
